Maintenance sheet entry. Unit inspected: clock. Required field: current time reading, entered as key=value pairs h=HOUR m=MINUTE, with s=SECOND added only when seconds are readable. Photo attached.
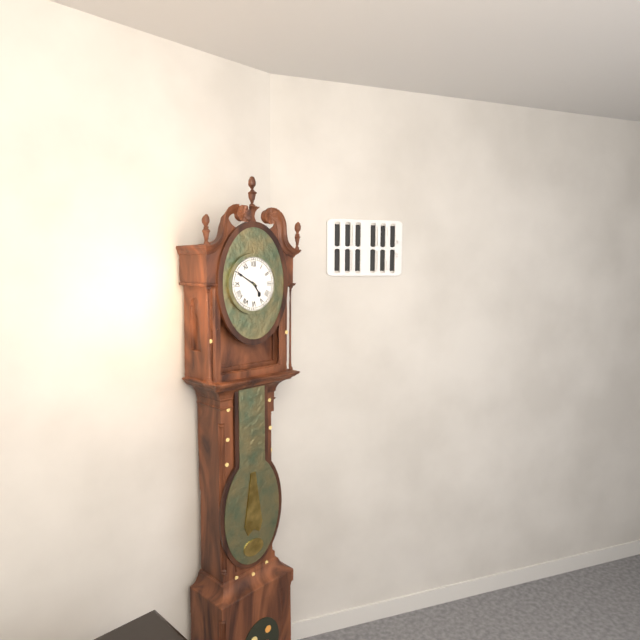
h=4 m=50
